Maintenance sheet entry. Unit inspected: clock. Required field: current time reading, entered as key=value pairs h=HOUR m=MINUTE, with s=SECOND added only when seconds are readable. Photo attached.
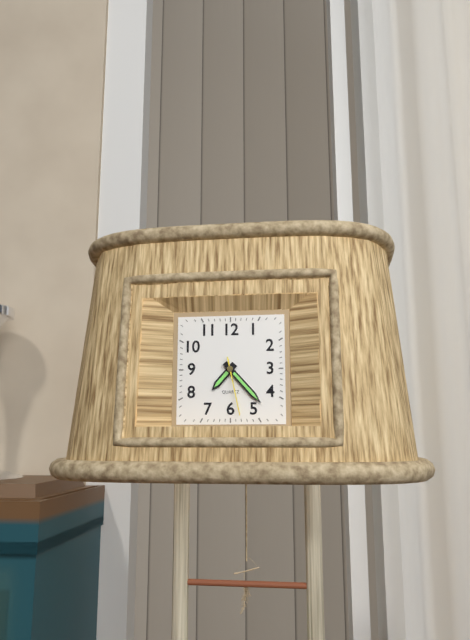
h=7 m=23 s=28
